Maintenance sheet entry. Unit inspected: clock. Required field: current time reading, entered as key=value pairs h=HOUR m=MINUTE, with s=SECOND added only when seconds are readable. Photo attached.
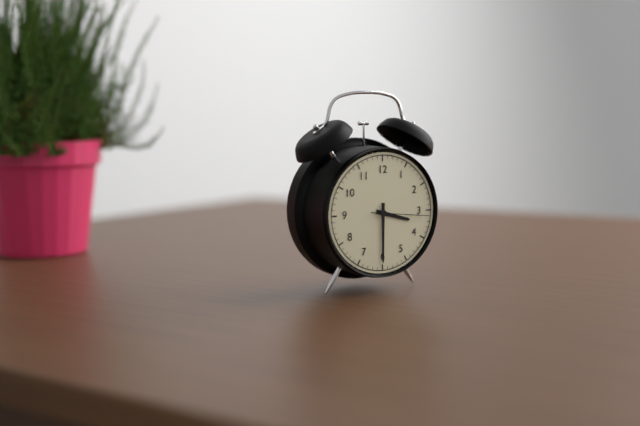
h=3 m=30 s=16
